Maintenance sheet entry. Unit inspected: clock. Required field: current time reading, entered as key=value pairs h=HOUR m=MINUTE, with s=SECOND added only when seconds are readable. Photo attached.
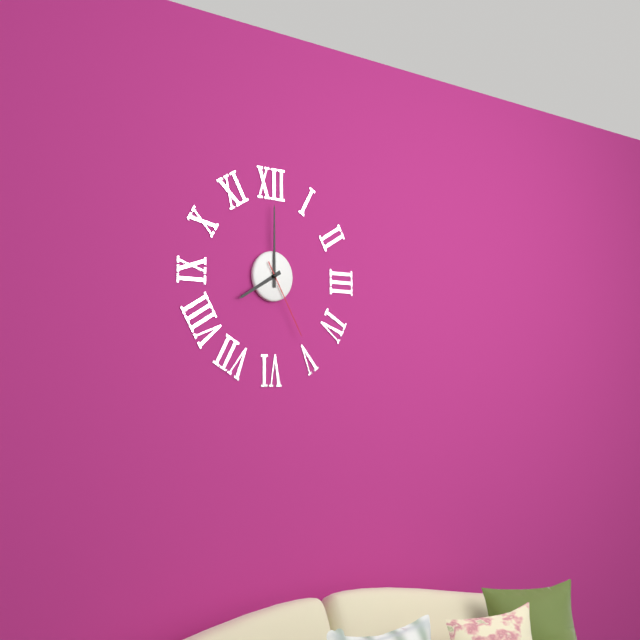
h=8 m=0 s=25
